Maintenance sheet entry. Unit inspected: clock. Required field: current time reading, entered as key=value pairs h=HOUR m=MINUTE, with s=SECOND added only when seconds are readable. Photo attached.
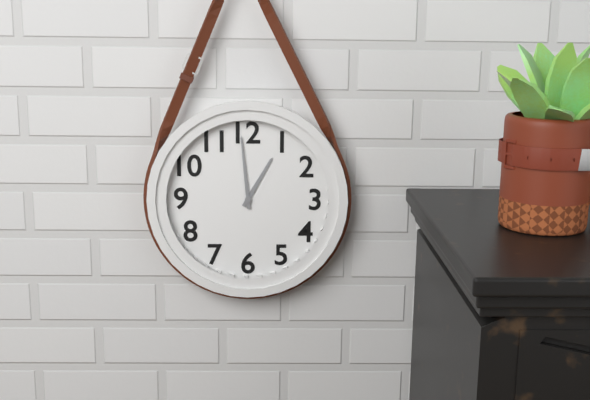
h=12 m=59
